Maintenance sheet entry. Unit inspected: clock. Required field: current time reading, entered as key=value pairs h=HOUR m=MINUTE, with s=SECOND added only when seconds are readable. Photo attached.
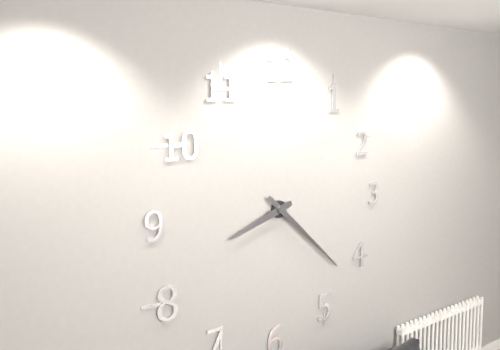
h=8 m=22
